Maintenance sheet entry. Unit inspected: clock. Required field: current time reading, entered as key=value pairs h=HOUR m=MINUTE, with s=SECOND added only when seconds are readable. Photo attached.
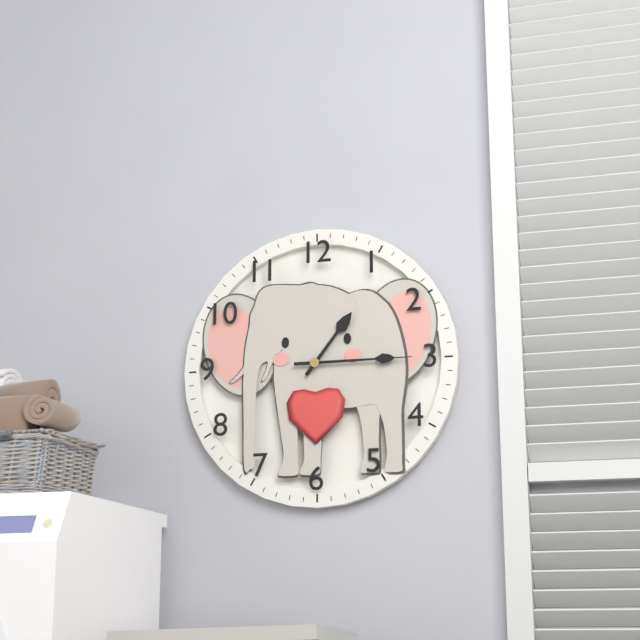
h=1 m=15
